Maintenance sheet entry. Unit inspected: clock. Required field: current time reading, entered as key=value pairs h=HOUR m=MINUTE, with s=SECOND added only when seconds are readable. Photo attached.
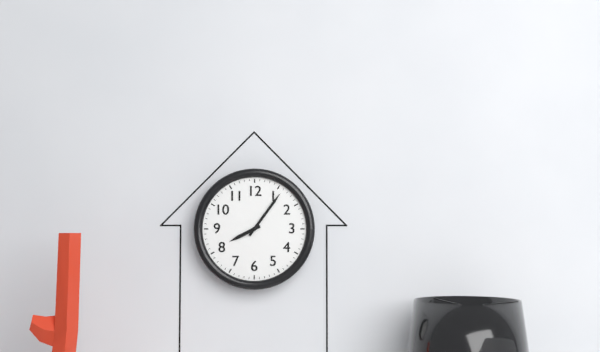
h=8 m=6
